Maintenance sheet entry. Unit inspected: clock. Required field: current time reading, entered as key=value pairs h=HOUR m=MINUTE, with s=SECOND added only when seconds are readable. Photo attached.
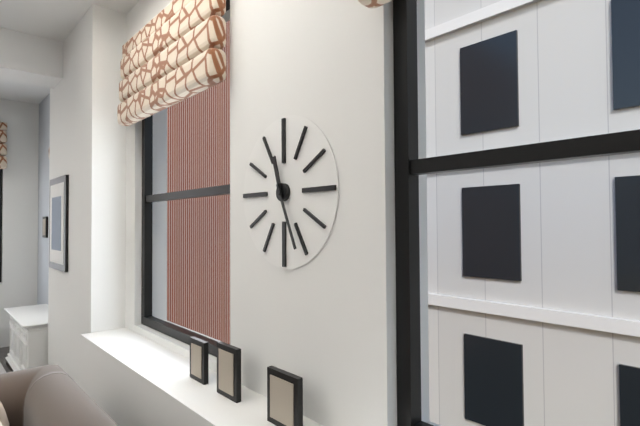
h=11 m=26
